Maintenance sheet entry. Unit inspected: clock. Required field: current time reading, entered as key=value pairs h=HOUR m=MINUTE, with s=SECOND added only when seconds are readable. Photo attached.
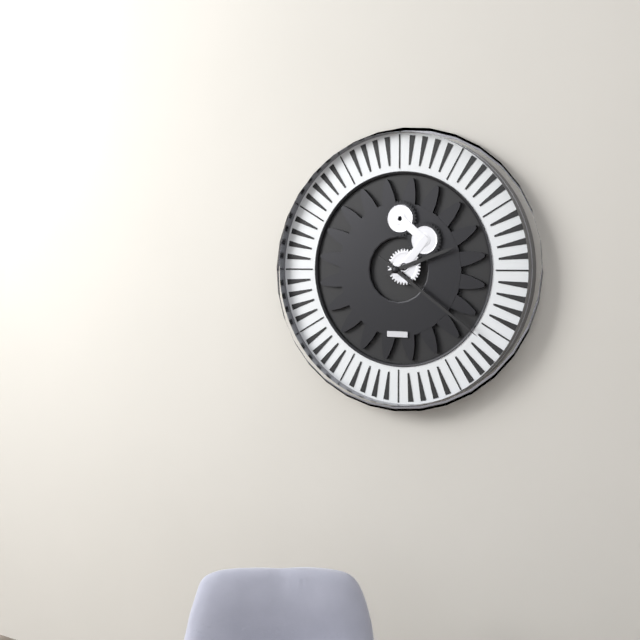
h=2 m=21
